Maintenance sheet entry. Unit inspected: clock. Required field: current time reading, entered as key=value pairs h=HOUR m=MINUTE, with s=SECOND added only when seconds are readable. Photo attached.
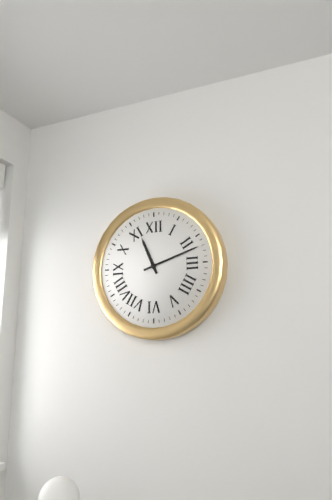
h=11 m=12
